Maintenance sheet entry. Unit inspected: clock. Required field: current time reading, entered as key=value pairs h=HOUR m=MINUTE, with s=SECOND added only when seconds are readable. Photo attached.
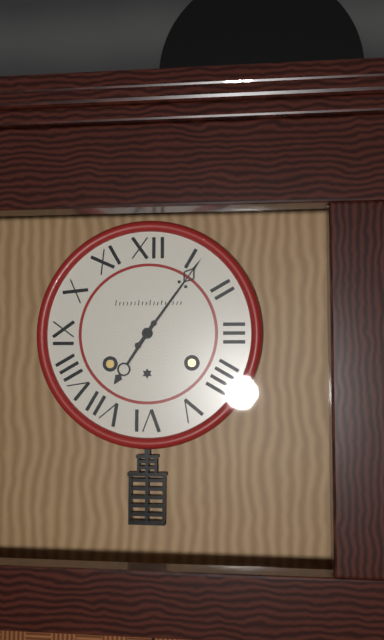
h=7 m=6
